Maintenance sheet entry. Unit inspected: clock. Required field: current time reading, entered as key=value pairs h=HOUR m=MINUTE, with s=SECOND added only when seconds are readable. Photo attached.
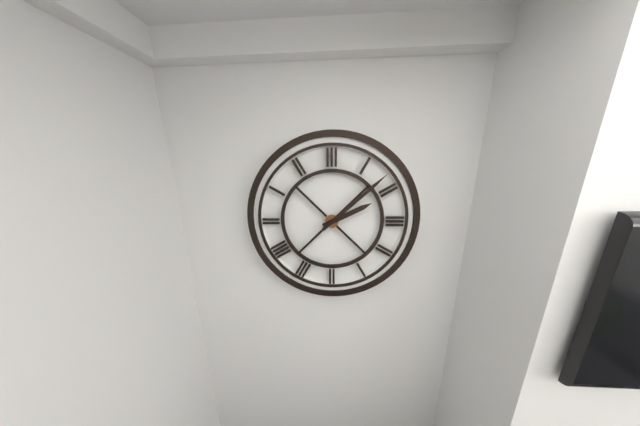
h=2 m=8
